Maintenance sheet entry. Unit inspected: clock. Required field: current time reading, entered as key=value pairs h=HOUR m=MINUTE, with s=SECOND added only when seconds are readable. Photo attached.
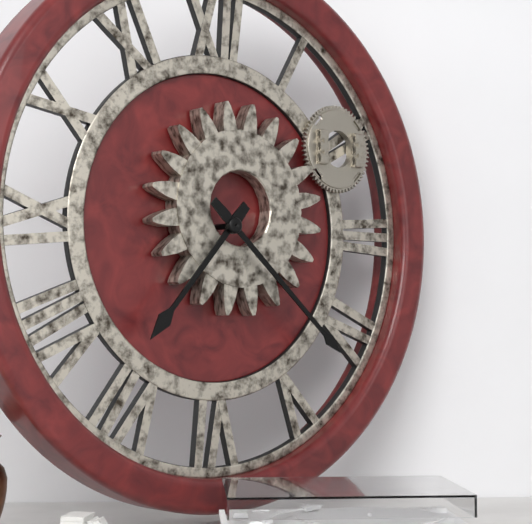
h=7 m=22
